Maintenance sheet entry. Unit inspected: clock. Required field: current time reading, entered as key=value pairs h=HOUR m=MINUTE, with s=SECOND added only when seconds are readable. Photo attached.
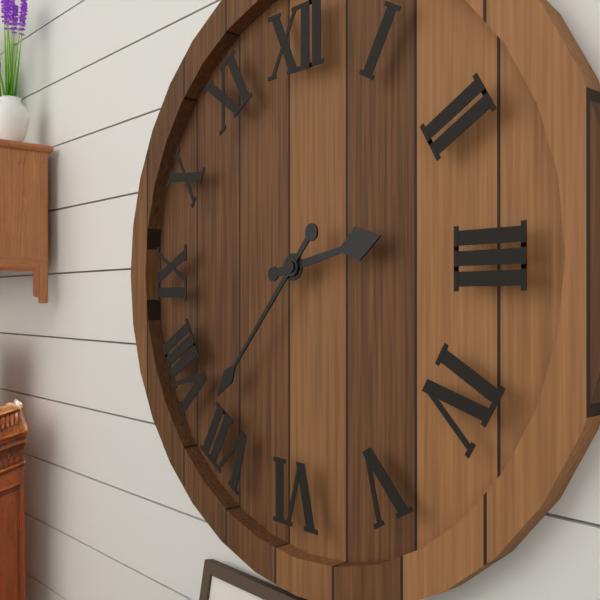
h=2 m=37
